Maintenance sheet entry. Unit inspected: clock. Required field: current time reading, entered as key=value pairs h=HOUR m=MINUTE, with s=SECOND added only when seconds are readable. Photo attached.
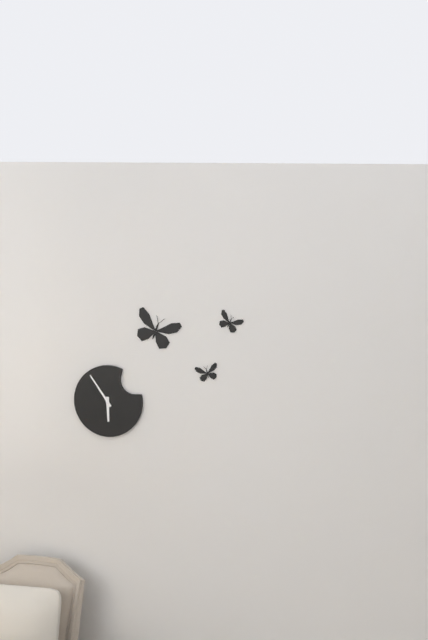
h=5 m=54
